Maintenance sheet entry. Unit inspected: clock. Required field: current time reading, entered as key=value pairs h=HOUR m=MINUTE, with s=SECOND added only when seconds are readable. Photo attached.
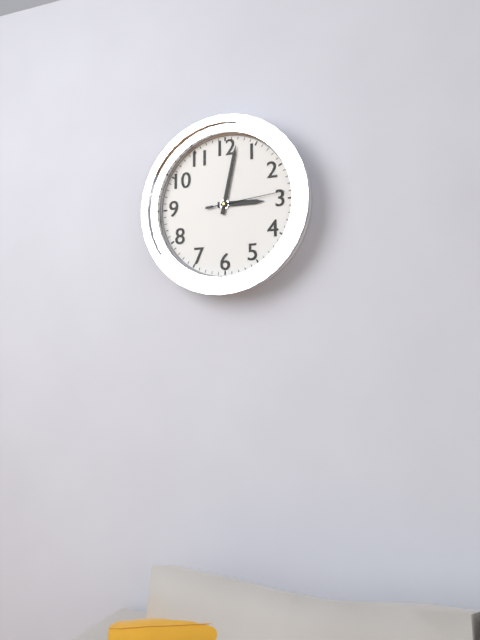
h=3 m=2 s=14
